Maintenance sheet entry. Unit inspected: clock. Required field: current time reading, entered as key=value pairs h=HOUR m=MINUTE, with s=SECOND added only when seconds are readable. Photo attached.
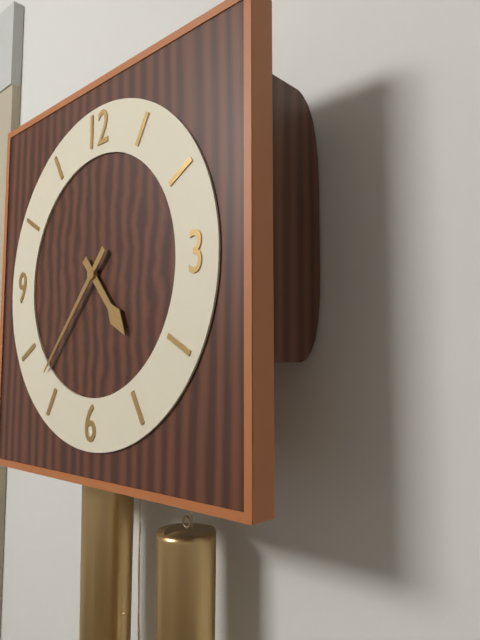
h=4 m=37
